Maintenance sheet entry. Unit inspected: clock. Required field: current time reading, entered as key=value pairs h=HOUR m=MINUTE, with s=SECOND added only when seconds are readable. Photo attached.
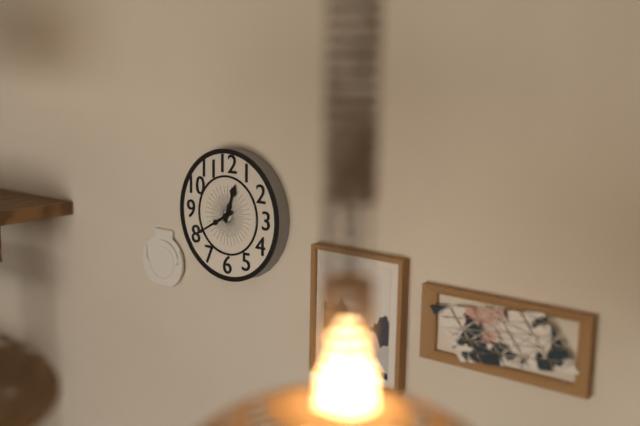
h=12 m=40
